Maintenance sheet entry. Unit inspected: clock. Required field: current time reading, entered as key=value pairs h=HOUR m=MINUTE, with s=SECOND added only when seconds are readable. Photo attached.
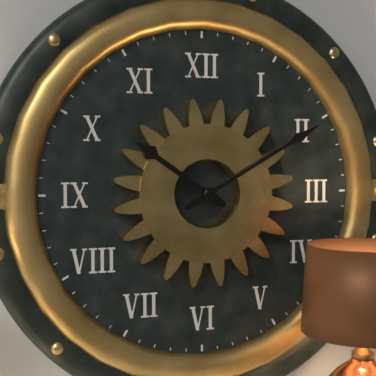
h=10 m=10
